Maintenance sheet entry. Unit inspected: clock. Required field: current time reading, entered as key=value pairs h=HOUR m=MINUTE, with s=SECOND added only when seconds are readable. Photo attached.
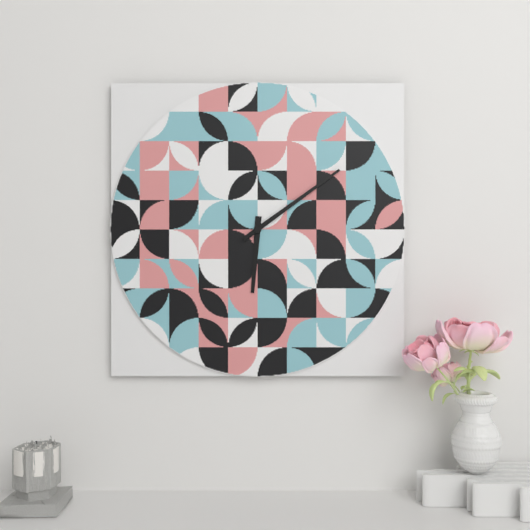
h=6 m=9
